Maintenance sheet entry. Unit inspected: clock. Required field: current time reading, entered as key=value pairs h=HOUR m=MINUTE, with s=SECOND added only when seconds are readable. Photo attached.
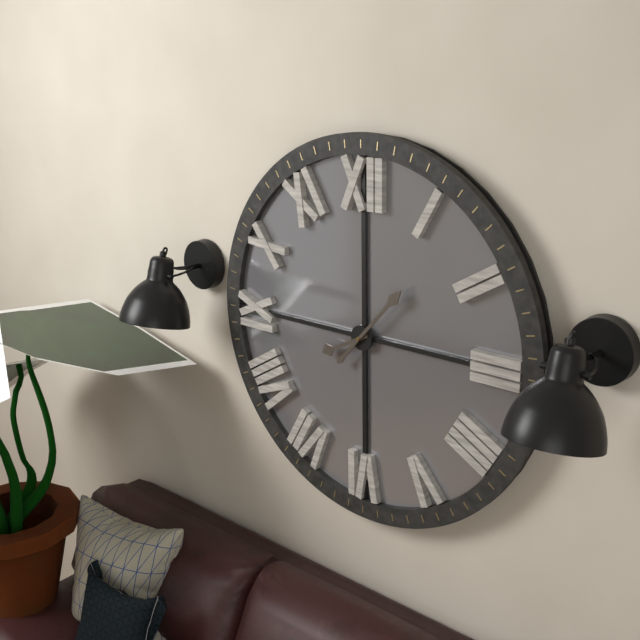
h=8 m=7
